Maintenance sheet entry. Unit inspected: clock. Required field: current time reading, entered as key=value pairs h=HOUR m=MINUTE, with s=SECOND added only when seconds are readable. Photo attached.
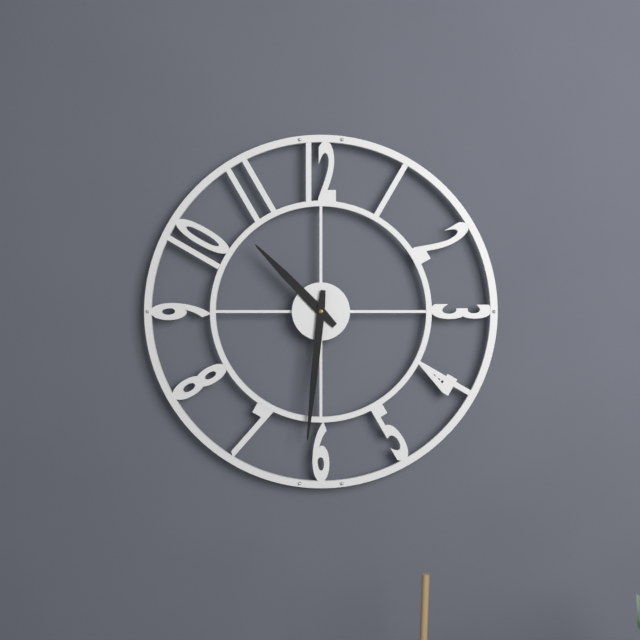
h=10 m=31
